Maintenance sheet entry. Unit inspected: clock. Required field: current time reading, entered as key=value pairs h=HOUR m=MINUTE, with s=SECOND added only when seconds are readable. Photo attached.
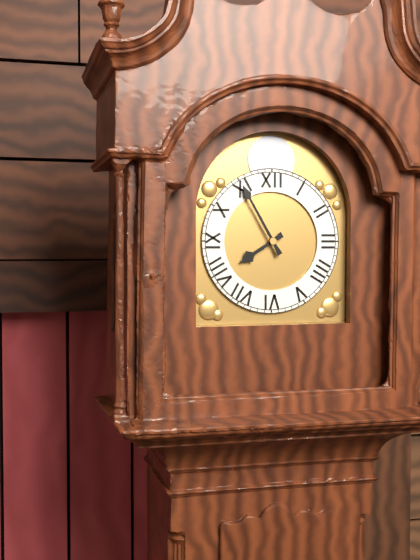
h=7 m=55
